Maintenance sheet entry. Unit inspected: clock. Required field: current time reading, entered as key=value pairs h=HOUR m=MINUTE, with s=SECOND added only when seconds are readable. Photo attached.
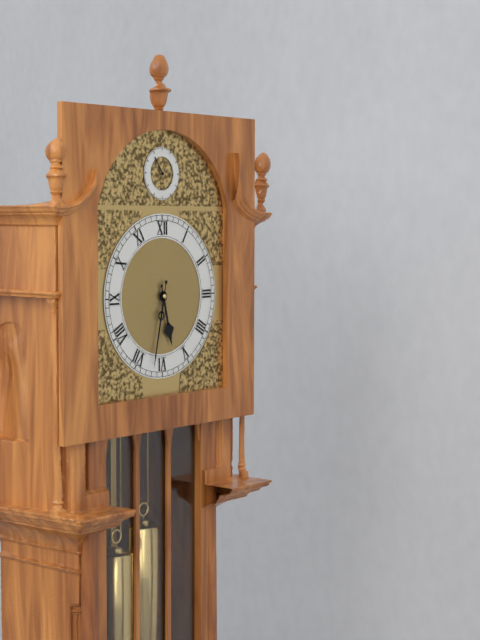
h=5 m=32
